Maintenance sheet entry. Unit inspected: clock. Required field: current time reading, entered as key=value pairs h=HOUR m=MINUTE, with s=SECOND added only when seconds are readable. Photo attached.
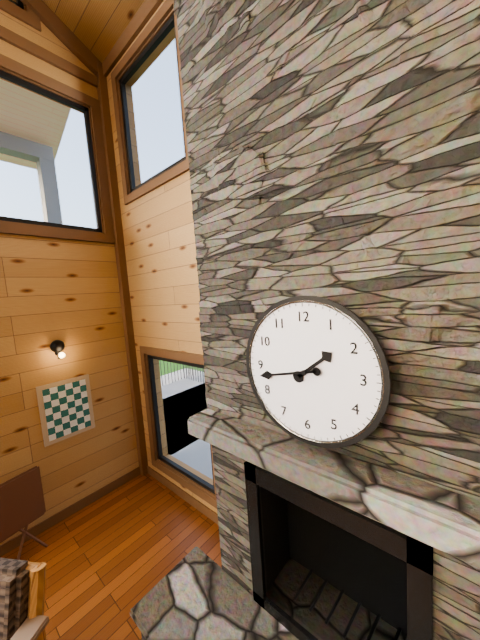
h=1 m=43
